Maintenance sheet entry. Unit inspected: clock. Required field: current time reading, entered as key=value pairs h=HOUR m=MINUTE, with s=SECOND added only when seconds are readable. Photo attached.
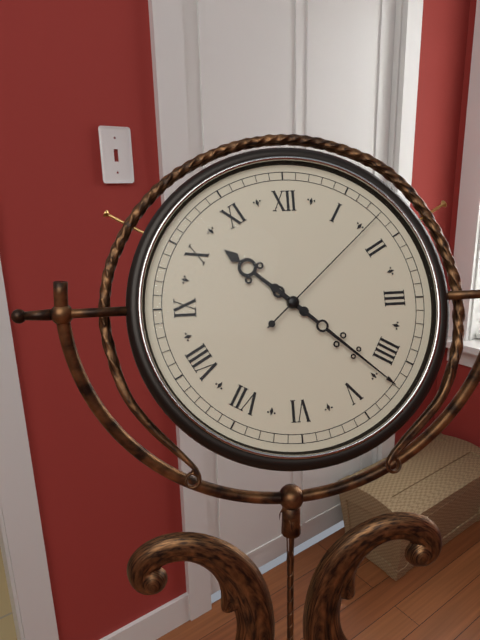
h=10 m=22 s=8
